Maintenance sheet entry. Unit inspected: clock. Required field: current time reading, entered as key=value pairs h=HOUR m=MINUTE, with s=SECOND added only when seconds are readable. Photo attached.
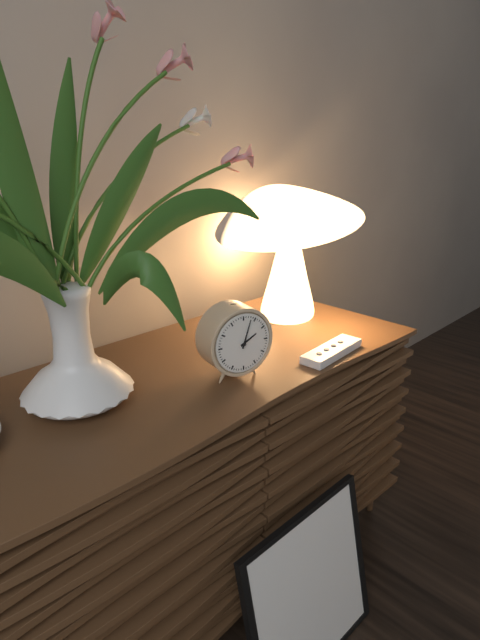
h=2 m=3
